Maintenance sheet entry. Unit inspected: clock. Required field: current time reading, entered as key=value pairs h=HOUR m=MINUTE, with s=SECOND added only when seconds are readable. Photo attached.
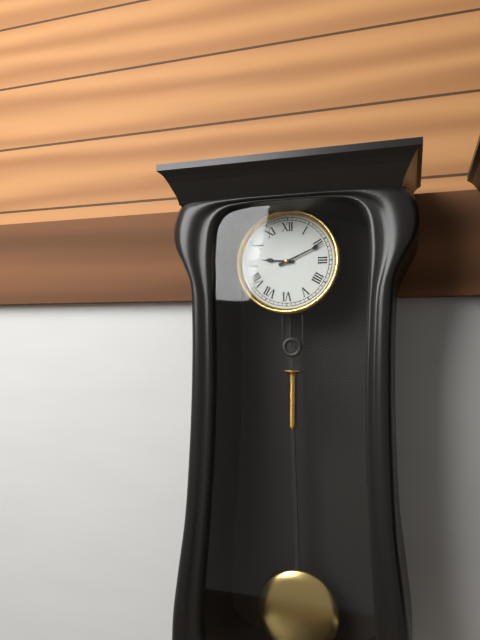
h=9 m=11
